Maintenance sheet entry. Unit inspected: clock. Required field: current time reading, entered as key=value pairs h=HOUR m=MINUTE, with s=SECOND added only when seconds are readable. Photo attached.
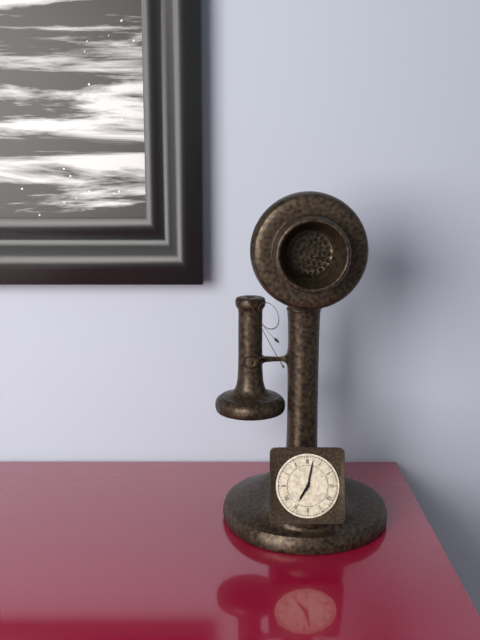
h=7 m=2
